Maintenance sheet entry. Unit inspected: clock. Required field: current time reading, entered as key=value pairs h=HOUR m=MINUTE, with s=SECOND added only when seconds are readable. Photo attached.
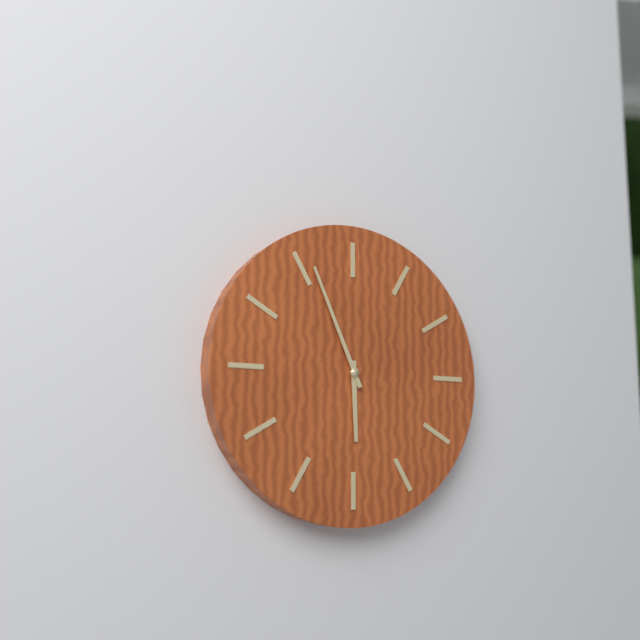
h=5 m=56
